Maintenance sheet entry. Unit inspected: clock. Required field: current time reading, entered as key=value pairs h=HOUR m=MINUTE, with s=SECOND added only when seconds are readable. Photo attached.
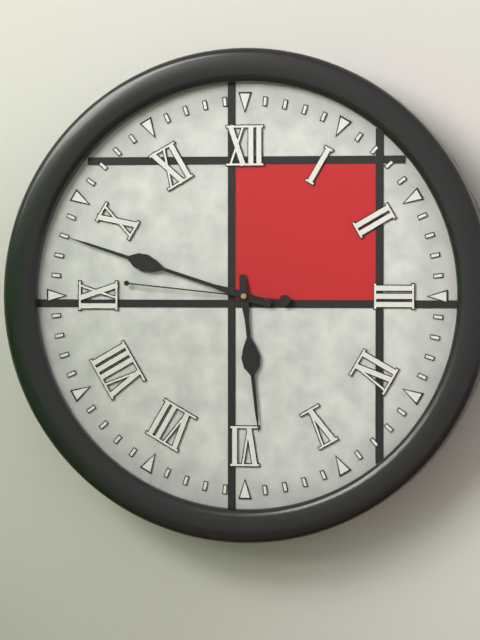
h=5 m=48 s=46
